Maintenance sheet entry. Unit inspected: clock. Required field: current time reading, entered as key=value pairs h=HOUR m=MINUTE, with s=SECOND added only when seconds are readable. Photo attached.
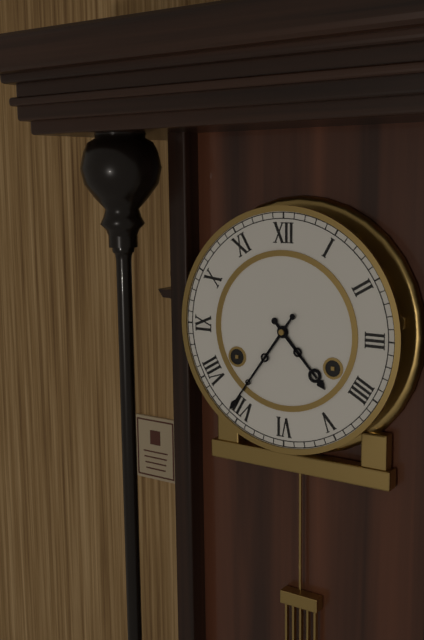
h=4 m=36
